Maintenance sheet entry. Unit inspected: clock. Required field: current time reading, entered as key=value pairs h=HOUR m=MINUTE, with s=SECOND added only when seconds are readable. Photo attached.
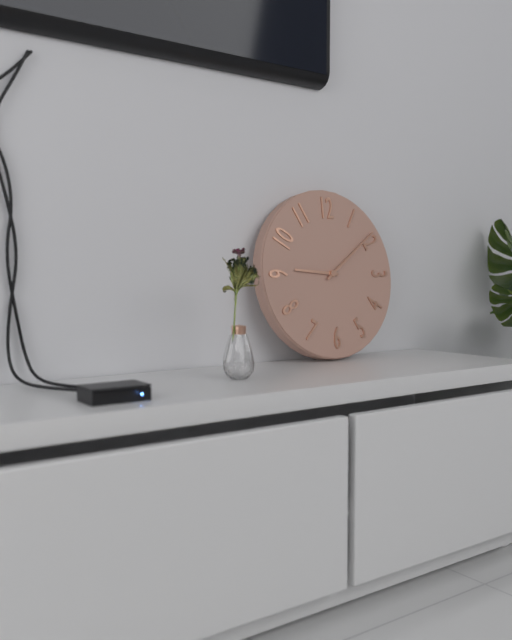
h=9 m=9
